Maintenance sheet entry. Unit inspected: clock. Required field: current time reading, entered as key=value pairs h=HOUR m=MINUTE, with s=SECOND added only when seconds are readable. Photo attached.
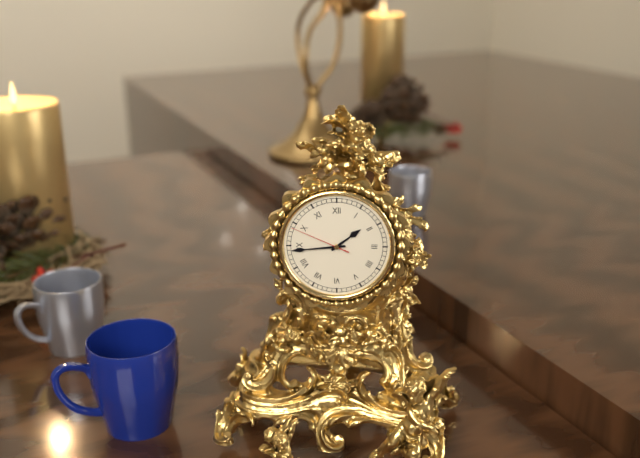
h=1 m=44 s=49
